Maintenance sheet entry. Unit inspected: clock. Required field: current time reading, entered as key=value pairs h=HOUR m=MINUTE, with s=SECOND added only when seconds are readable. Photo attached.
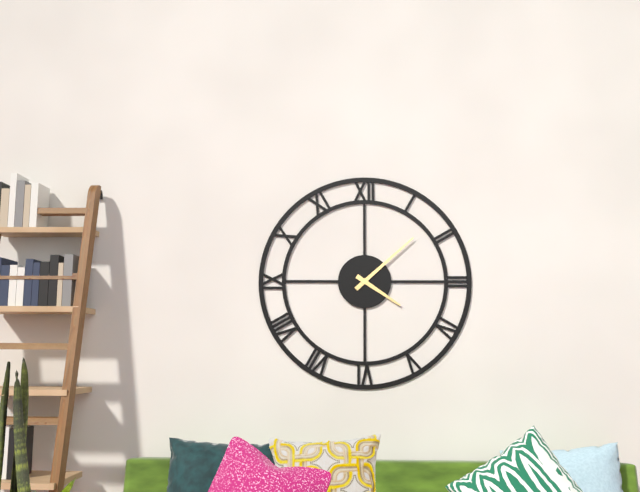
h=4 m=8
